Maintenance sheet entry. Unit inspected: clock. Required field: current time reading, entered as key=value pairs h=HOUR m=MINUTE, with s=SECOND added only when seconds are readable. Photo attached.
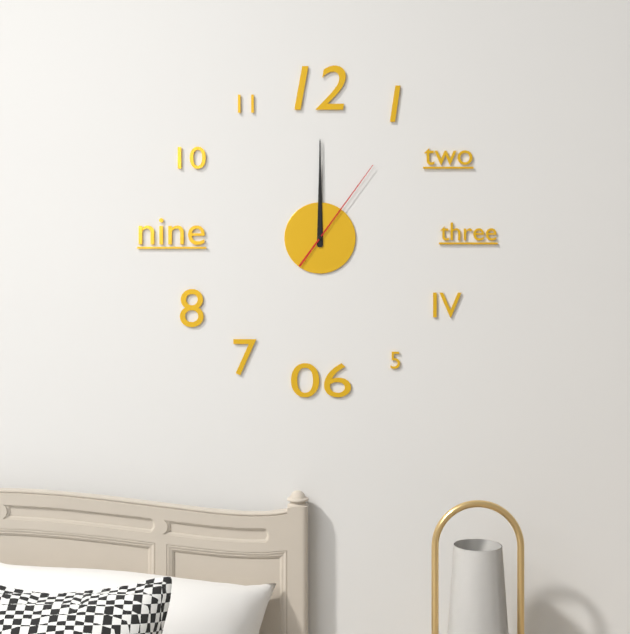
h=12 m=0 s=6
